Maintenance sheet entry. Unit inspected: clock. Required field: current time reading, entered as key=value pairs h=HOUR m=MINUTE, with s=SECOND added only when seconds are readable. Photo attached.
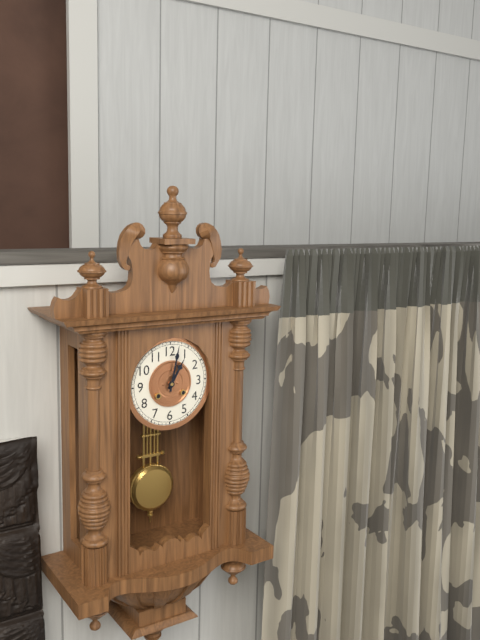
h=1 m=2
